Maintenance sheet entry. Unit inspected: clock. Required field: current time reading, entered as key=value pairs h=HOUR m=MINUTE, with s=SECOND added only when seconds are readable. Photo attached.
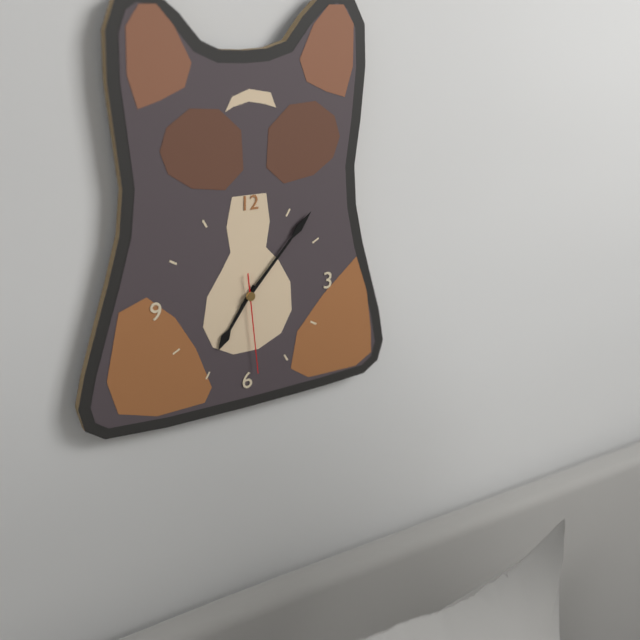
h=7 m=7 s=29
